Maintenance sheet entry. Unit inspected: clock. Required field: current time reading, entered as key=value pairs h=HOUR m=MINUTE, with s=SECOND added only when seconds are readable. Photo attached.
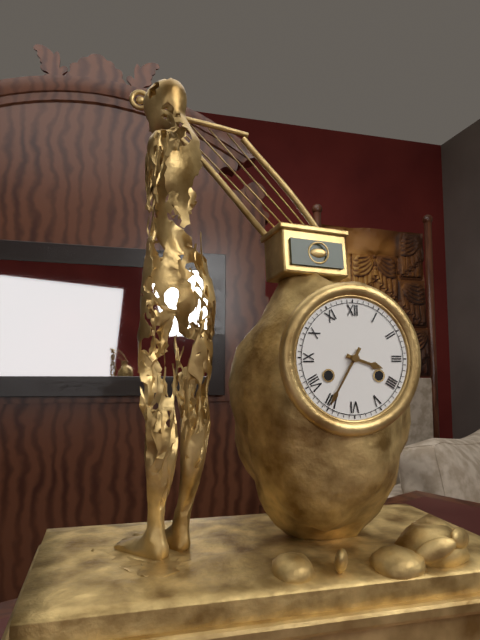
h=3 m=35
